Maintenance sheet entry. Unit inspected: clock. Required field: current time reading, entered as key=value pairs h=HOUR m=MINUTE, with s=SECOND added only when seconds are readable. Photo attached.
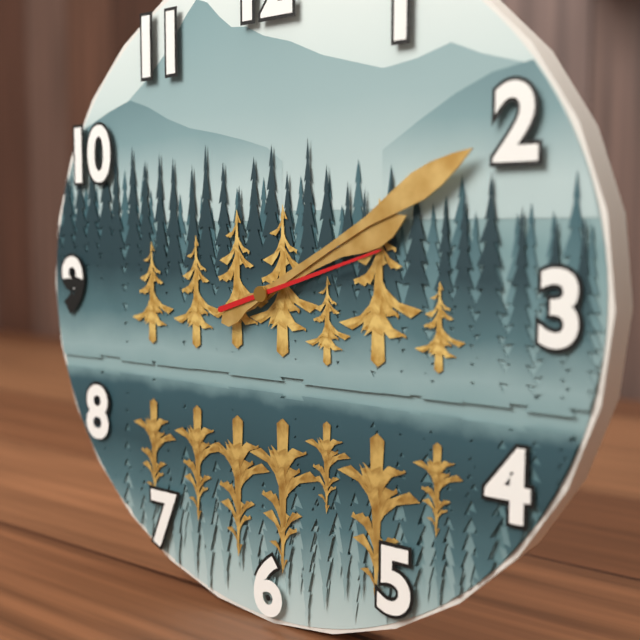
h=2 m=10 s=12
